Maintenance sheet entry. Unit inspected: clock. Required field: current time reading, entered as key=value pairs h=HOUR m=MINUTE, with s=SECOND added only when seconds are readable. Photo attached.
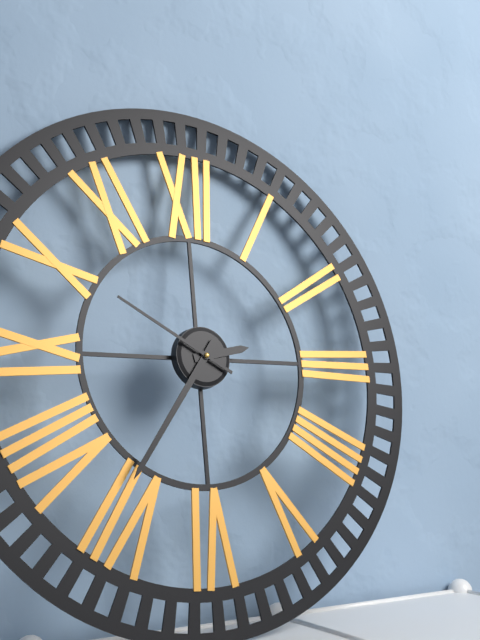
h=2 m=36 s=50
